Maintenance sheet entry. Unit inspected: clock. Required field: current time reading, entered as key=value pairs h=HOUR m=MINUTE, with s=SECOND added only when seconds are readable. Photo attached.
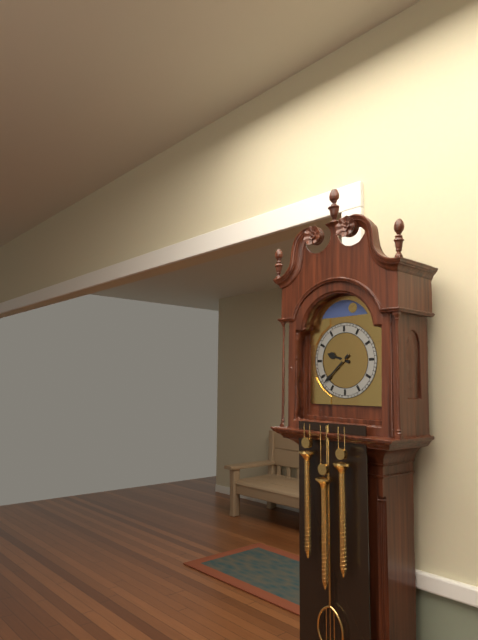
h=9 m=38
